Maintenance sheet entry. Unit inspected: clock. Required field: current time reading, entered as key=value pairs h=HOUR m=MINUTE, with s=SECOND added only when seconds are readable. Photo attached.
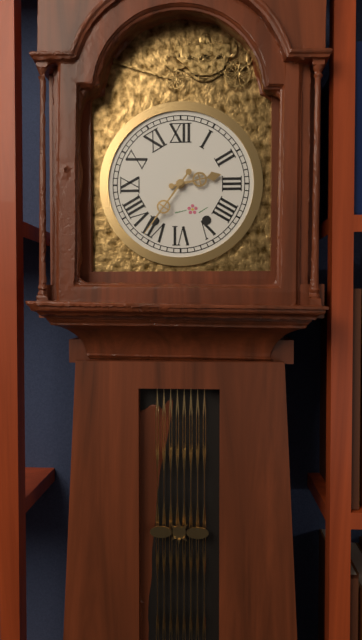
h=2 m=36
